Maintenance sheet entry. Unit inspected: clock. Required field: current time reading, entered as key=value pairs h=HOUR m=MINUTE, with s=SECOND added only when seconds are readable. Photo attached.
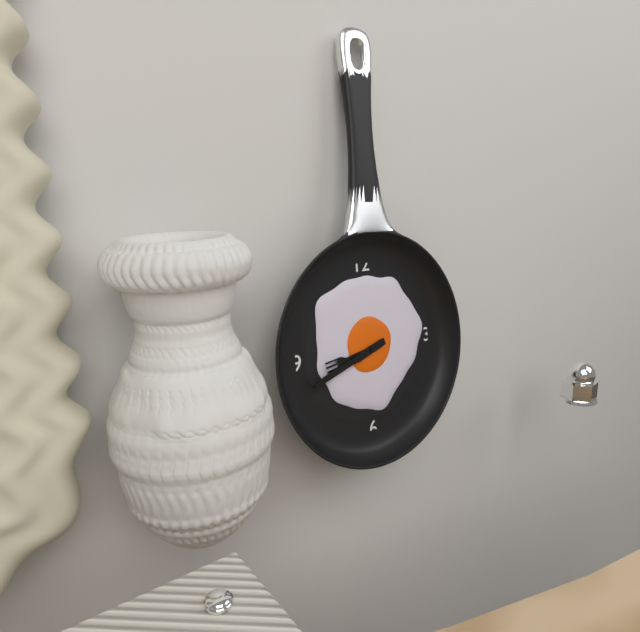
h=8 m=42
